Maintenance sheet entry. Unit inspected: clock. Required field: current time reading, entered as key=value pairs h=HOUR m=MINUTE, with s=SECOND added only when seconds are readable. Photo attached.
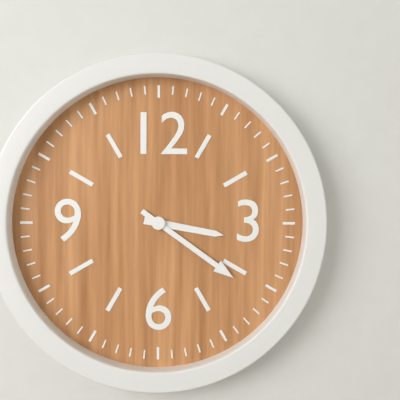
h=3 m=21
